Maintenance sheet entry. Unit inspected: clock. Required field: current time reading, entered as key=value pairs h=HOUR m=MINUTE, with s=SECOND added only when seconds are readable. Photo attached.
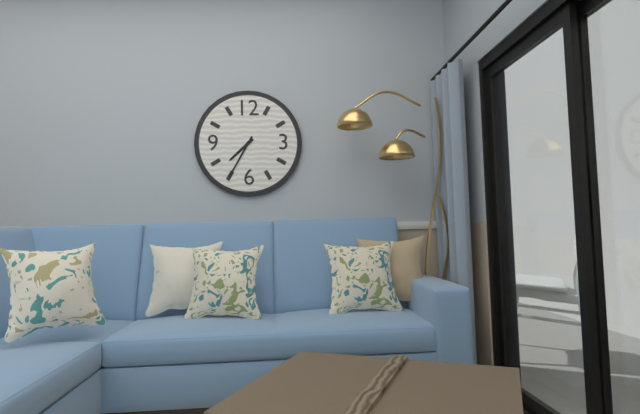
h=7 m=35
